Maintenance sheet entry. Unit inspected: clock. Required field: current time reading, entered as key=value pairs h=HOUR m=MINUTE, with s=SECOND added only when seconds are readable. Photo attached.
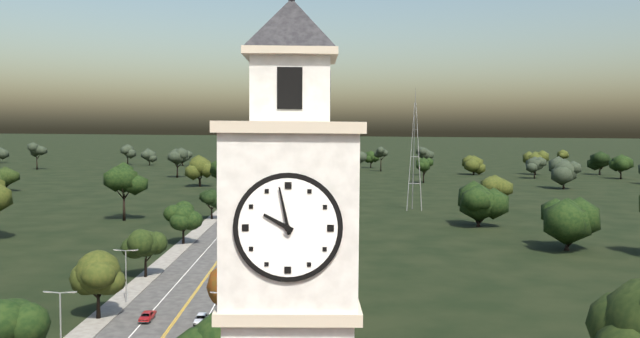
h=9 m=58
